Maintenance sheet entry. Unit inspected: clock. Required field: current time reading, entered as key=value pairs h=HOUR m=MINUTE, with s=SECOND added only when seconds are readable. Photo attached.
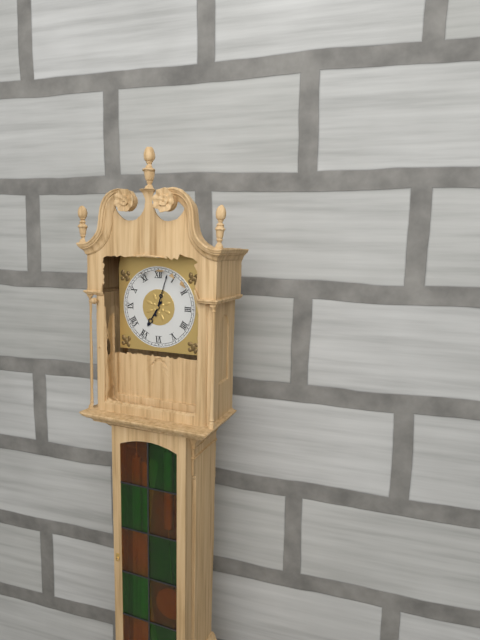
h=7 m=3
